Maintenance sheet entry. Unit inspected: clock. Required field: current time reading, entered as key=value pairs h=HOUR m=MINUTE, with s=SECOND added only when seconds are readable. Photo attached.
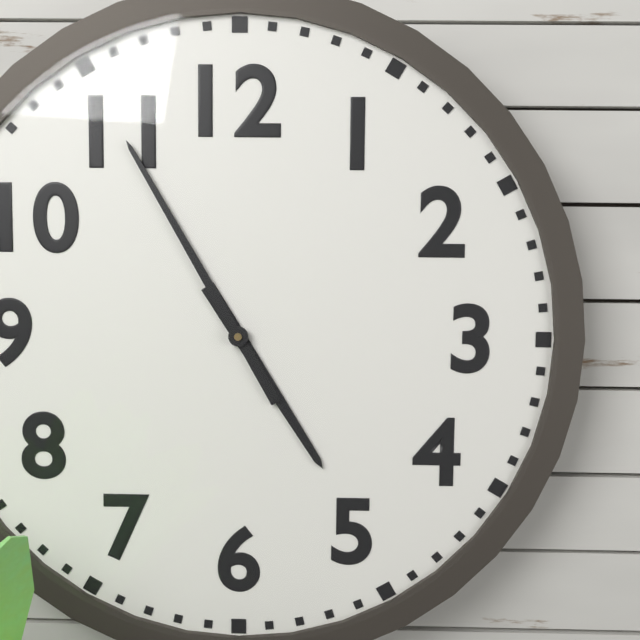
h=4 m=55
